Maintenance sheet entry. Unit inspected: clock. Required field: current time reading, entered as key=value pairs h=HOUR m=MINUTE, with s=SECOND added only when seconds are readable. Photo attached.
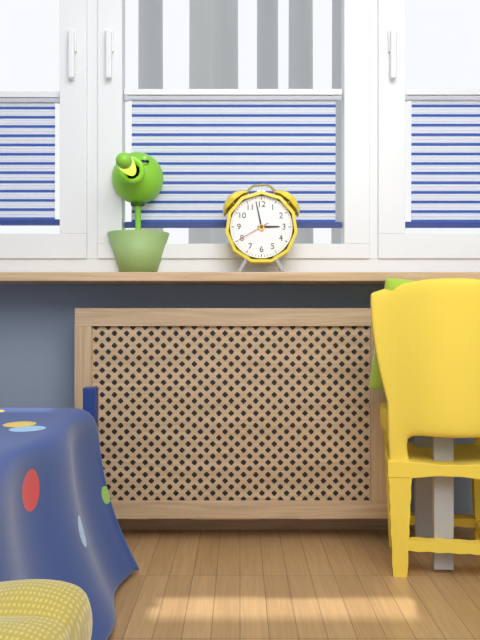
h=2 m=58
